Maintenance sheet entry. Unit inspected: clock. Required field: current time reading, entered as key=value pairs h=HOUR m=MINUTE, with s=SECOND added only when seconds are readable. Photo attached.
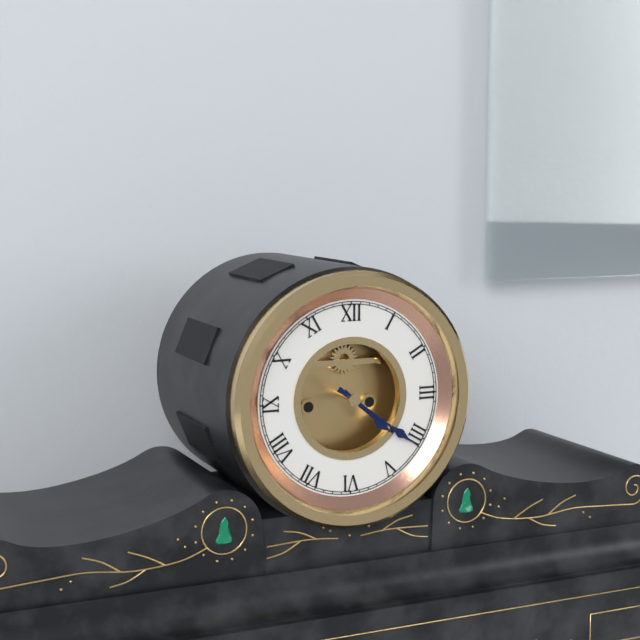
h=4 m=21
